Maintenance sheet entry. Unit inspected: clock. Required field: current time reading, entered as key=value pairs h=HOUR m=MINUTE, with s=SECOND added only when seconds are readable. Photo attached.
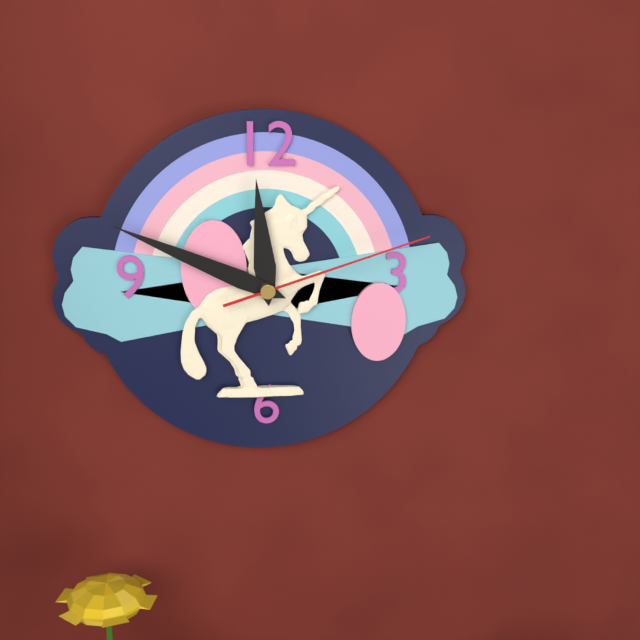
h=11 m=49 s=12
